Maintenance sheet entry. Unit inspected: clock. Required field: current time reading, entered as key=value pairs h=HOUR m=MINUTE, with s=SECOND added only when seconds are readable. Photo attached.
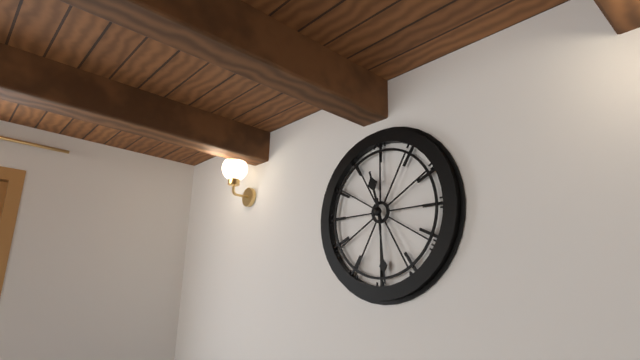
h=11 m=29
